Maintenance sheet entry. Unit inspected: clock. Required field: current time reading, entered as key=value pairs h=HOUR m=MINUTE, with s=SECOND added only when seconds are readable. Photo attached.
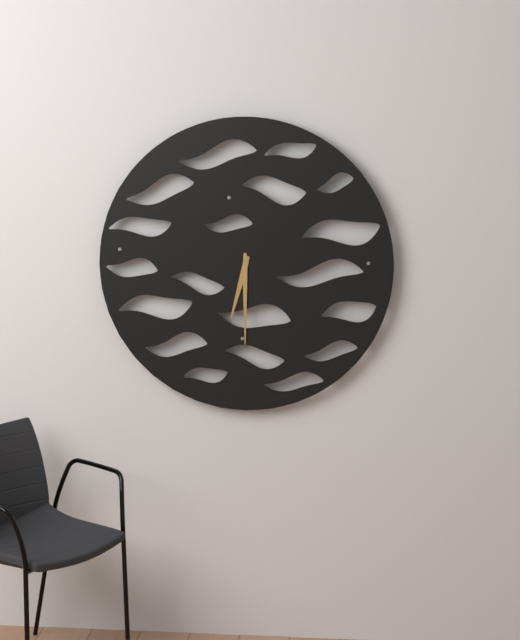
h=6 m=30
